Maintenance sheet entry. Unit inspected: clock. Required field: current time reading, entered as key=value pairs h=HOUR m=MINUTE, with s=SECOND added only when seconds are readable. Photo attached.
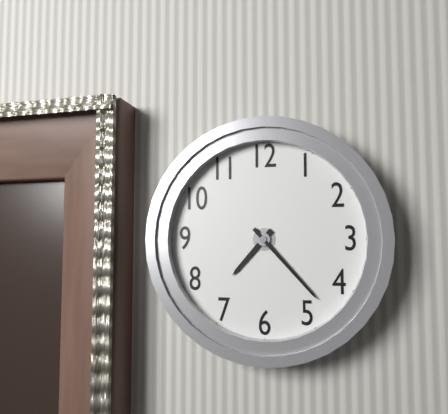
h=7 m=23
